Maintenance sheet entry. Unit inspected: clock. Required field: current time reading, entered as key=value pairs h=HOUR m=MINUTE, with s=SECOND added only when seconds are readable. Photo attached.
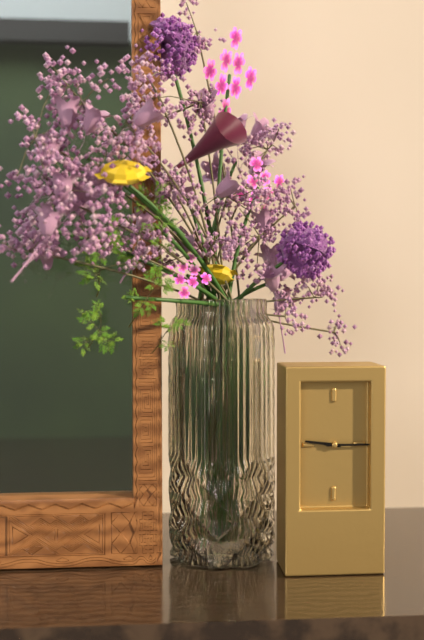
h=9 m=15
